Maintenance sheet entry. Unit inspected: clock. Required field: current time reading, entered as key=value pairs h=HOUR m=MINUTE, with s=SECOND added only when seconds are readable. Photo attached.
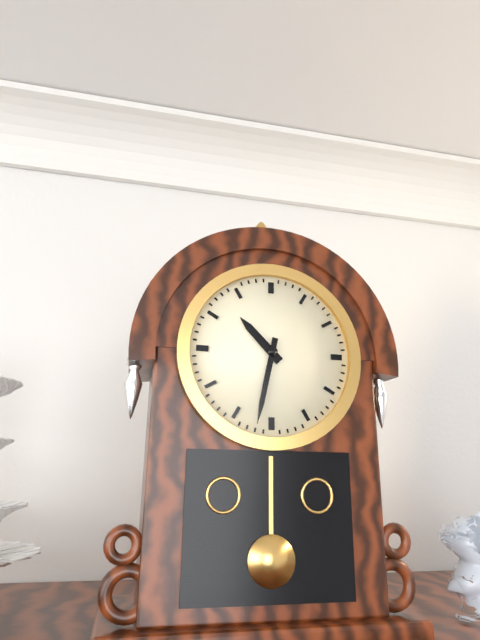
h=10 m=32
